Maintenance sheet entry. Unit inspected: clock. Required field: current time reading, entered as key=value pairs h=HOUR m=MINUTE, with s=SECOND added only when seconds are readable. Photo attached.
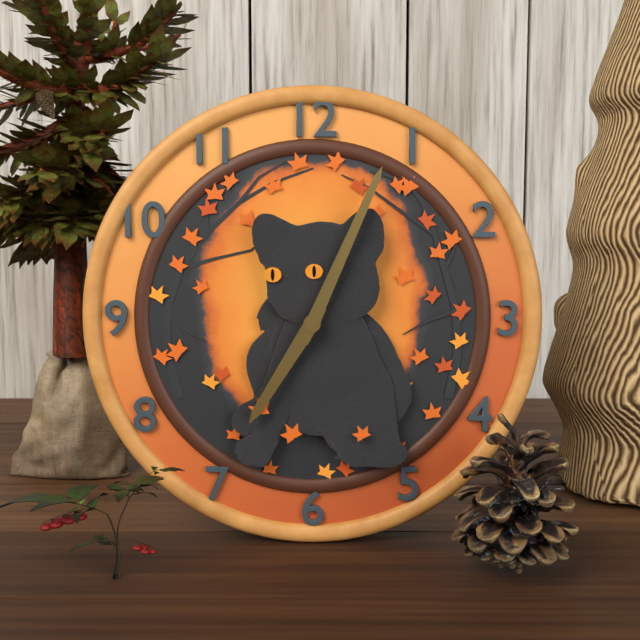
h=7 m=4
